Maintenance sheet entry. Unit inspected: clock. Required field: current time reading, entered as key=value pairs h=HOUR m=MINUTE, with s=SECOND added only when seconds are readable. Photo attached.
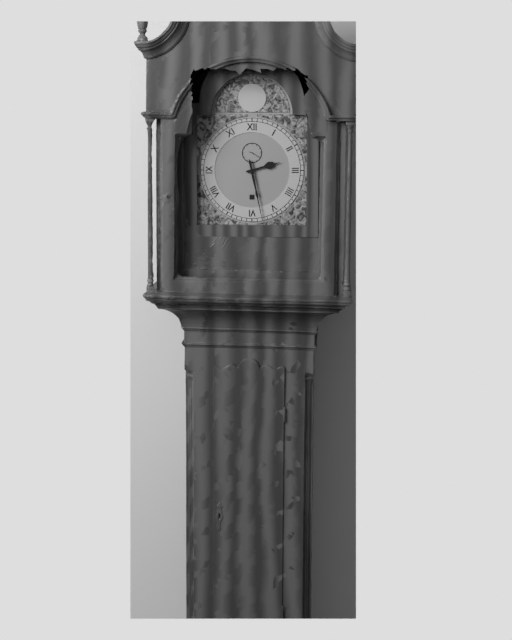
h=2 m=28
